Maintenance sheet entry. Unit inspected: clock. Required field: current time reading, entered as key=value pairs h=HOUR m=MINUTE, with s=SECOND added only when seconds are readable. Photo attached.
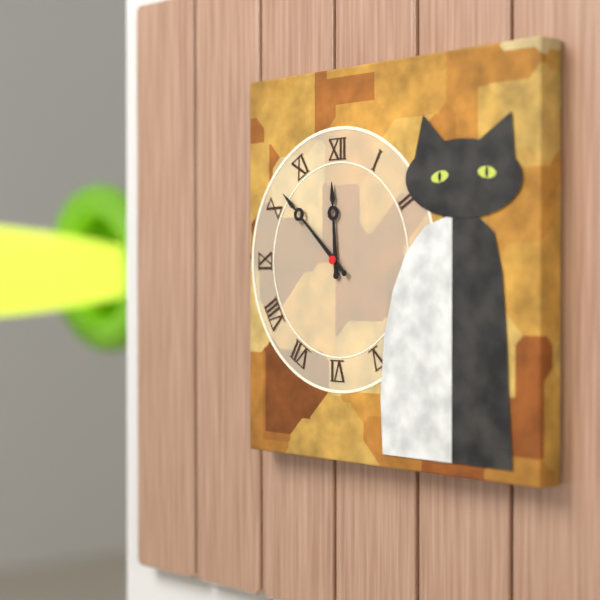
h=11 m=52
